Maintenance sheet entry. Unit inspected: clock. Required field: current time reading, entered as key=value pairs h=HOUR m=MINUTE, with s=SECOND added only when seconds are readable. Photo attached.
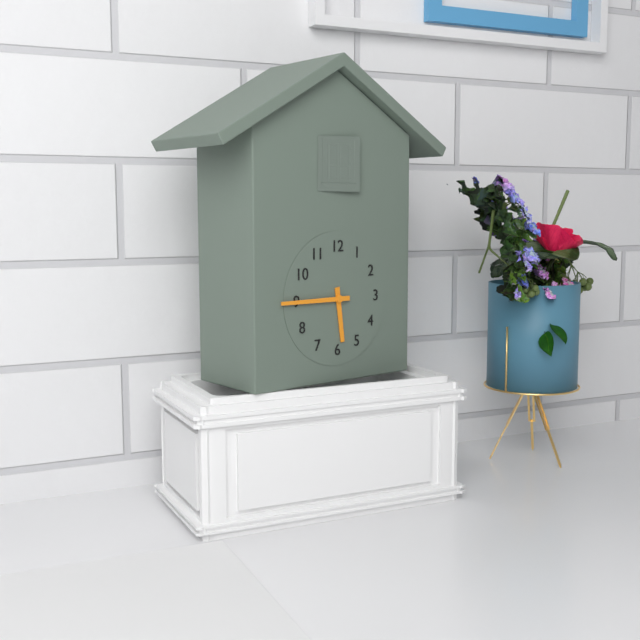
h=5 m=45
